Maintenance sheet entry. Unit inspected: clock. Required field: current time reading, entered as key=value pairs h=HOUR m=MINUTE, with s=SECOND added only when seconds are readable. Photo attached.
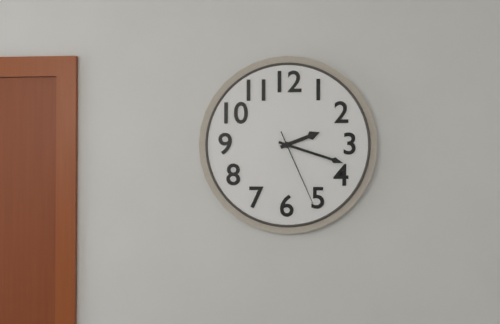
h=2 m=18 s=26
